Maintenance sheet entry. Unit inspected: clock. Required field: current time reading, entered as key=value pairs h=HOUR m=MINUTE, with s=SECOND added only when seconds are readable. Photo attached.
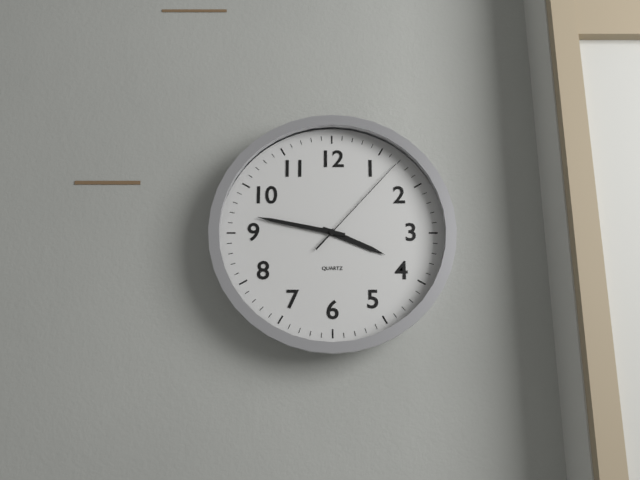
h=3 m=47 s=7
